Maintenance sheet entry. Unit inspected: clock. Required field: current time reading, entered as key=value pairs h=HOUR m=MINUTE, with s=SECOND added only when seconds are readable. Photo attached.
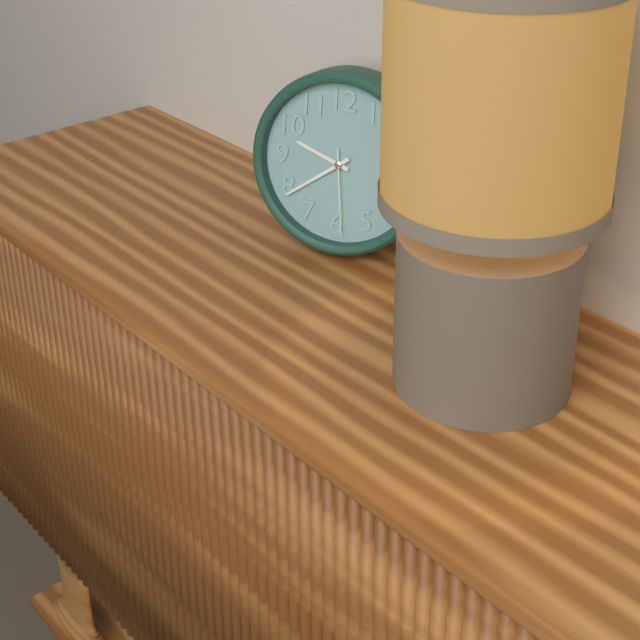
h=9 m=39 s=29
